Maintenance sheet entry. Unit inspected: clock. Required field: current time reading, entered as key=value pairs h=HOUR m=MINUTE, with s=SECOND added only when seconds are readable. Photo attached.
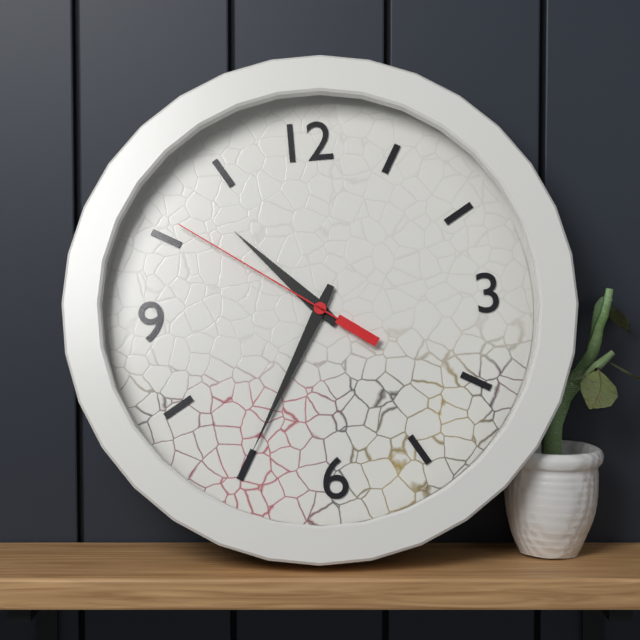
h=10 m=35 s=51
